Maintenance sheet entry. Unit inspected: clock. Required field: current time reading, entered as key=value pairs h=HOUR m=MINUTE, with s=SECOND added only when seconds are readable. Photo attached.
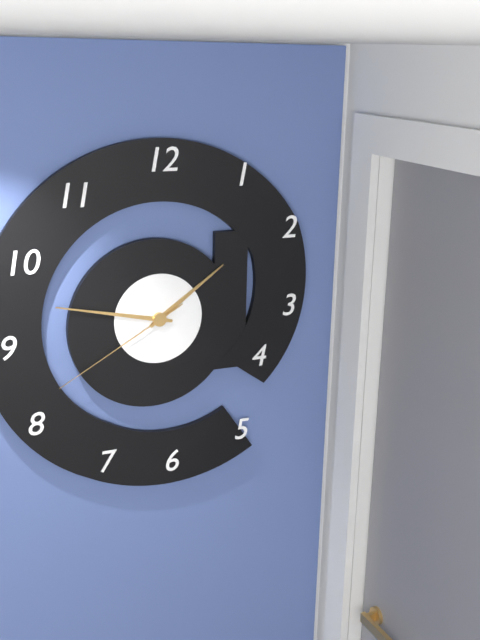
h=1 m=47 s=40
